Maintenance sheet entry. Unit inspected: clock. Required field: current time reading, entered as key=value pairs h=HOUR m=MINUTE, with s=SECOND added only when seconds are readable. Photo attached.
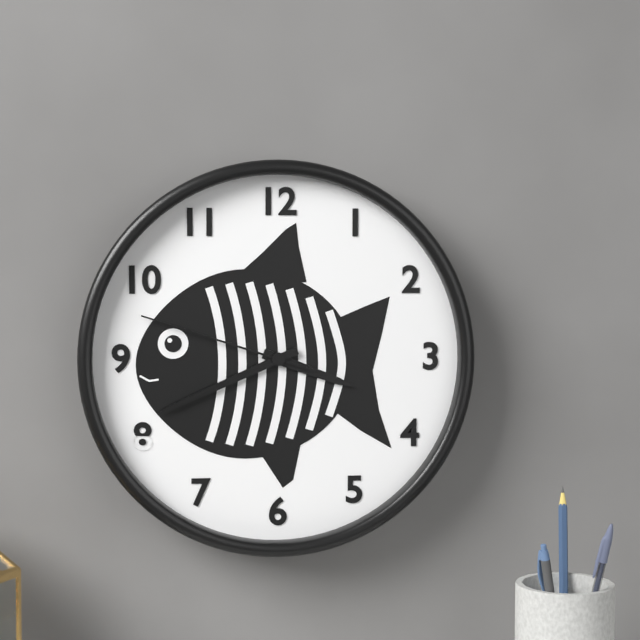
h=3 m=41 s=48
